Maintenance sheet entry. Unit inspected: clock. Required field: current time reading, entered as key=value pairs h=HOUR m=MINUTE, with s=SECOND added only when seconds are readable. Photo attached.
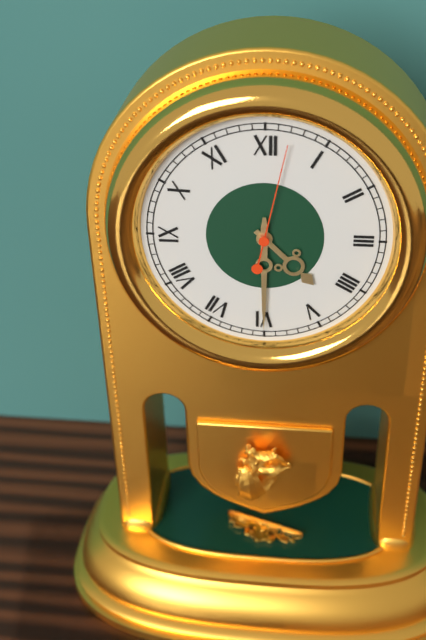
h=4 m=30 s=2
